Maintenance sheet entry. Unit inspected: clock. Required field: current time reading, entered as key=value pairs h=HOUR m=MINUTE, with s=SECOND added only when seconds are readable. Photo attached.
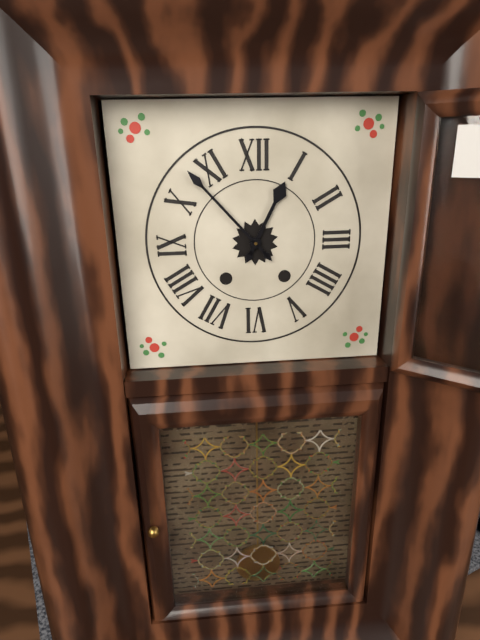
h=12 m=53
